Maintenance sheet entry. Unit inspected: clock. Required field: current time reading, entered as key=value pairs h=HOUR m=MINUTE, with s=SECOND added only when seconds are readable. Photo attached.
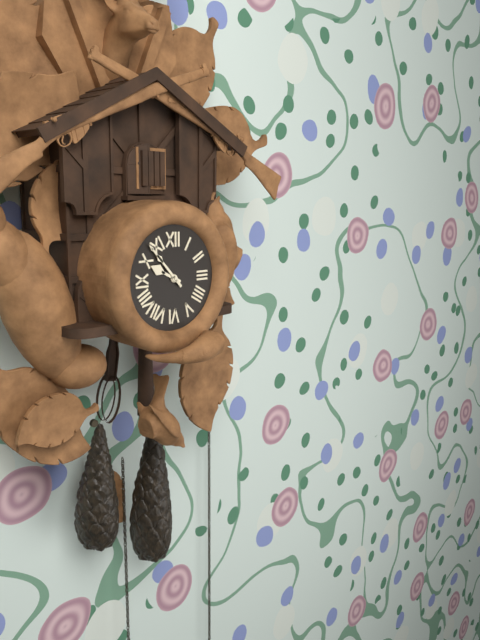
h=9 m=53
